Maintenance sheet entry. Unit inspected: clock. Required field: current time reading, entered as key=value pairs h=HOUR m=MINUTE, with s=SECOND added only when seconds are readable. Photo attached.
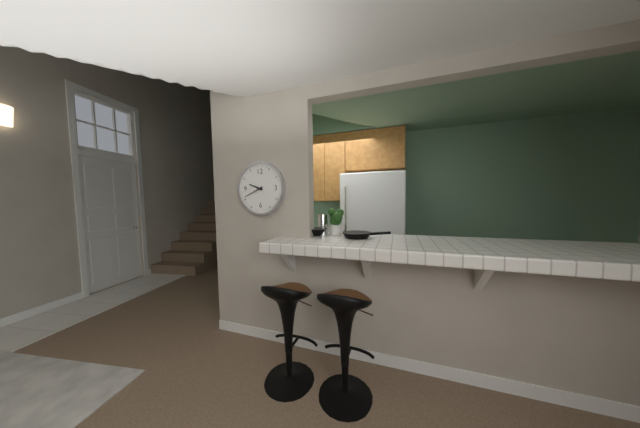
h=9 m=41
